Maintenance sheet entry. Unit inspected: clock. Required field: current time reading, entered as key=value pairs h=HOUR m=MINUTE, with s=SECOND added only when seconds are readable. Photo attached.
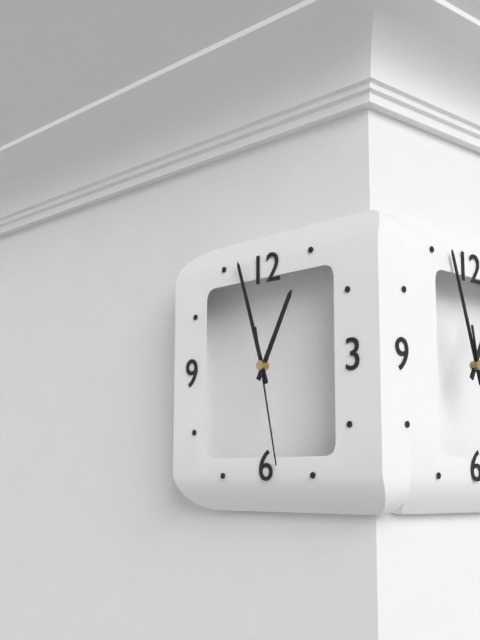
h=12 m=57 s=28
